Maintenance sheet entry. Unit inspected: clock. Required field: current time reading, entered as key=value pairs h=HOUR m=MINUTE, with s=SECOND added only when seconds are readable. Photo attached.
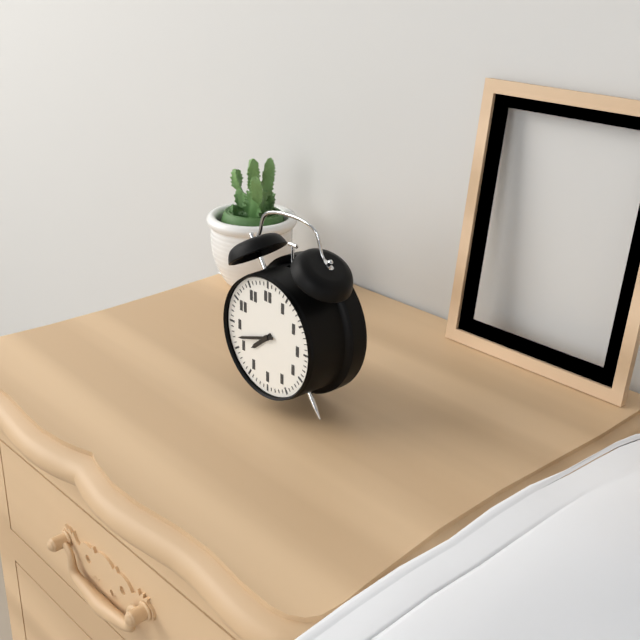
h=7 m=42
